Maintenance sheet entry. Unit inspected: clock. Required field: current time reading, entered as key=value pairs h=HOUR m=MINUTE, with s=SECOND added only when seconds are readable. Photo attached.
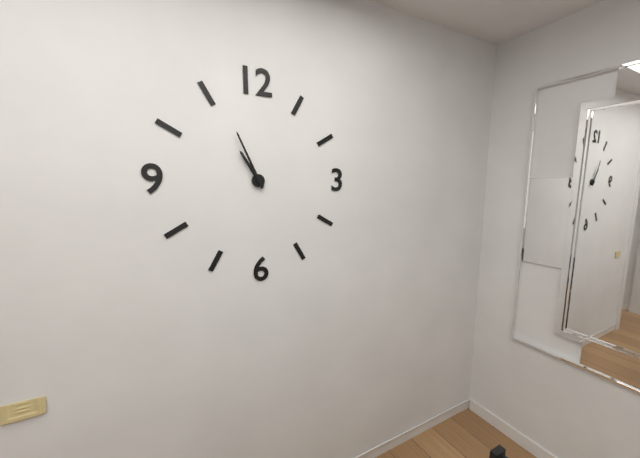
h=10 m=56
